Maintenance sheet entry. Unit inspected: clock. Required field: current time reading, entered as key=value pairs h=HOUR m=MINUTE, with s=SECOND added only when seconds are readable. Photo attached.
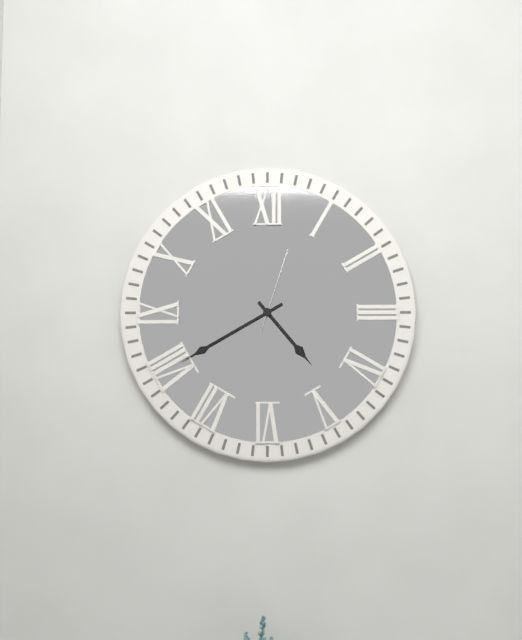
h=4 m=40 s=3
